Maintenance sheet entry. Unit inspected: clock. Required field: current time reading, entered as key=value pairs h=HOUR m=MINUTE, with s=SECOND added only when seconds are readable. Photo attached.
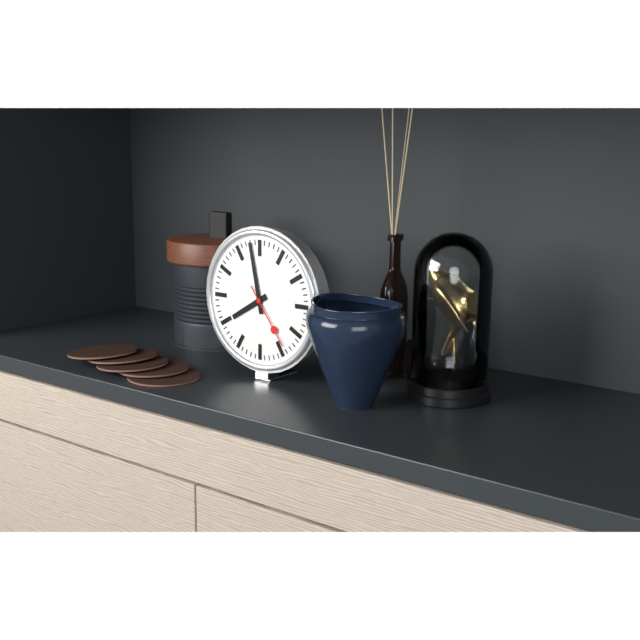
h=7 m=58 s=24
